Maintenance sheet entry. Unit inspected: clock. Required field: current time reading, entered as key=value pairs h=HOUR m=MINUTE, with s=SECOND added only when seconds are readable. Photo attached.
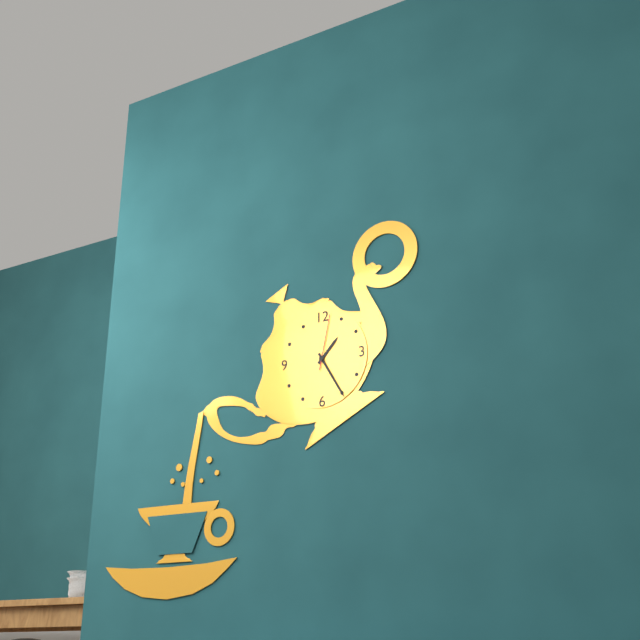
h=1 m=25 s=2
